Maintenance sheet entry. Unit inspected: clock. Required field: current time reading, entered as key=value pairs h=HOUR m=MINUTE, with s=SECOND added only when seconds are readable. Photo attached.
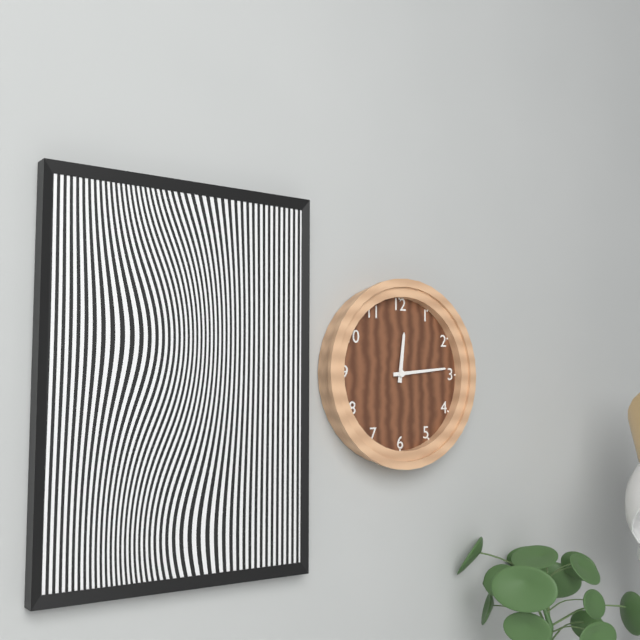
h=12 m=14
